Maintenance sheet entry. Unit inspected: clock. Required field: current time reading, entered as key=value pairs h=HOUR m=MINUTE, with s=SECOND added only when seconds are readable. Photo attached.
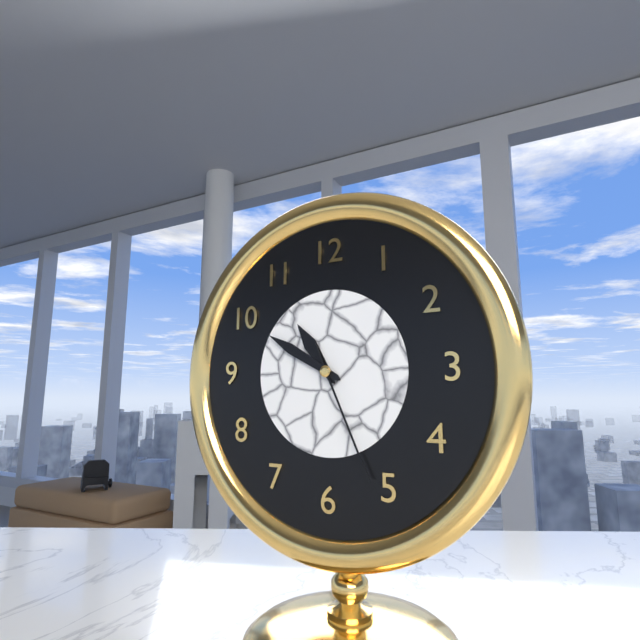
h=10 m=50 s=26
